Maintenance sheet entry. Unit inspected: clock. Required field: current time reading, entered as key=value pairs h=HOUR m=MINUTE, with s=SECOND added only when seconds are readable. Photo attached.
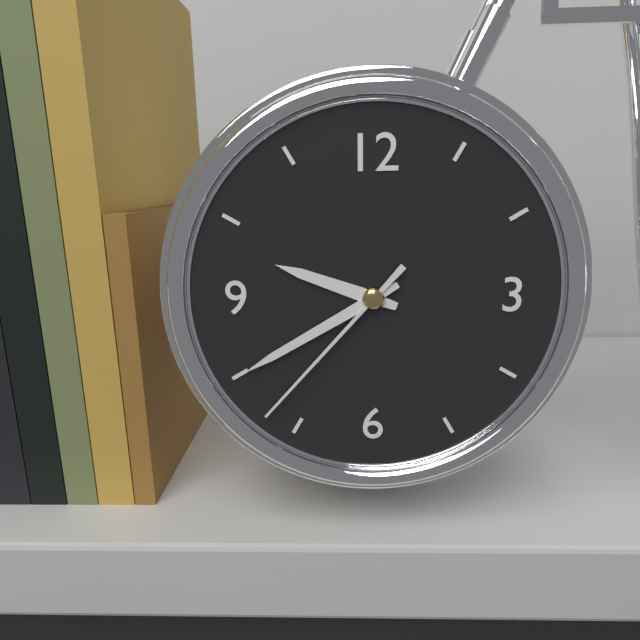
h=9 m=40 s=37
